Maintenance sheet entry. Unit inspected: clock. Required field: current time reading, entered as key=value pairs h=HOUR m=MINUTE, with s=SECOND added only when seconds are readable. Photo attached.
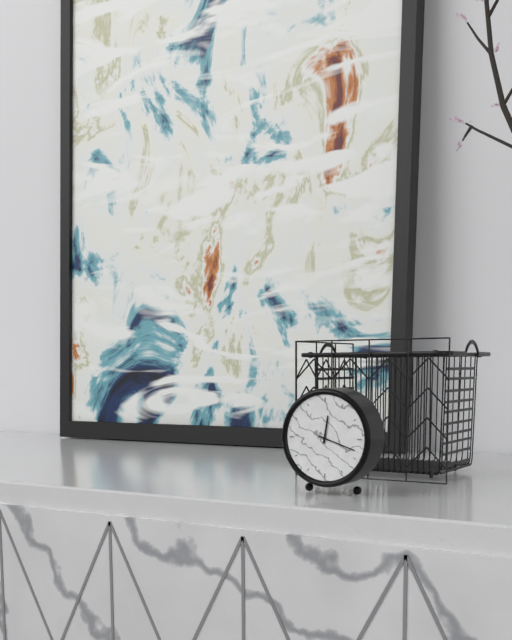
h=12 m=18
